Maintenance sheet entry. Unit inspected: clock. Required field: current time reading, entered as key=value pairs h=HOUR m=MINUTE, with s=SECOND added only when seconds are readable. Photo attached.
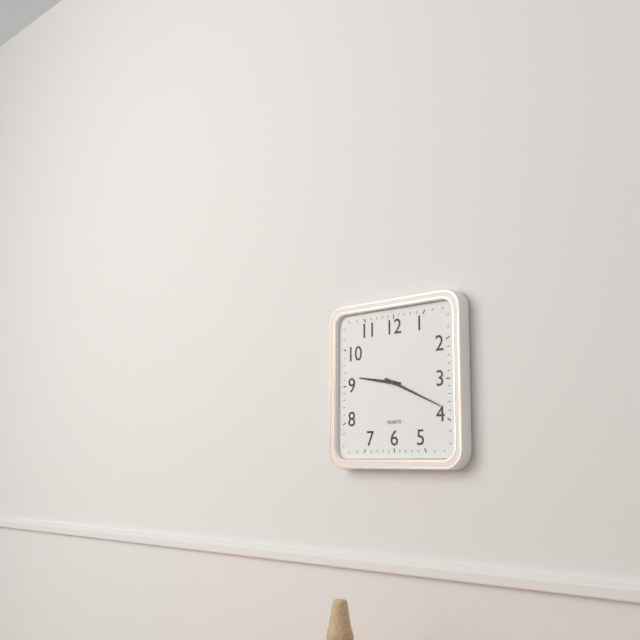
h=9 m=19
